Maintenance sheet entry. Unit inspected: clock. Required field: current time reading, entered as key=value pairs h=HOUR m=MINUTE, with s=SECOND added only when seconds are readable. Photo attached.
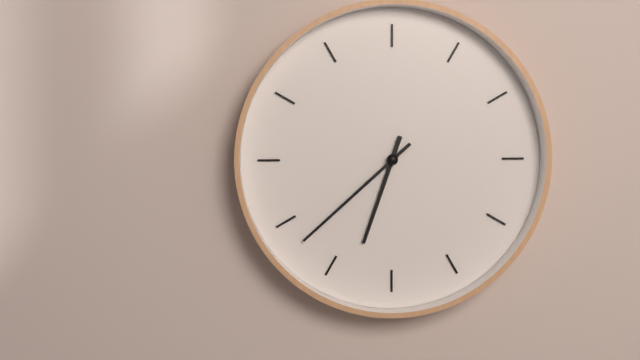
h=6 m=38
